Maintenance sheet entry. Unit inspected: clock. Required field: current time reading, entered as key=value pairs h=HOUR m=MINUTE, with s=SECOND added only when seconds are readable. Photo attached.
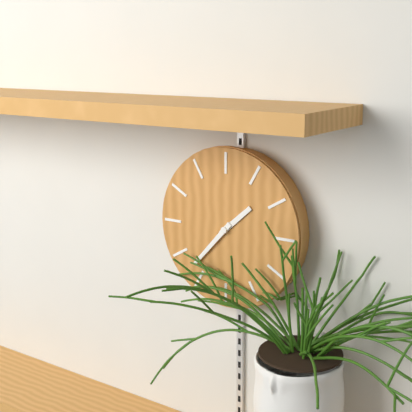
h=1 m=37
